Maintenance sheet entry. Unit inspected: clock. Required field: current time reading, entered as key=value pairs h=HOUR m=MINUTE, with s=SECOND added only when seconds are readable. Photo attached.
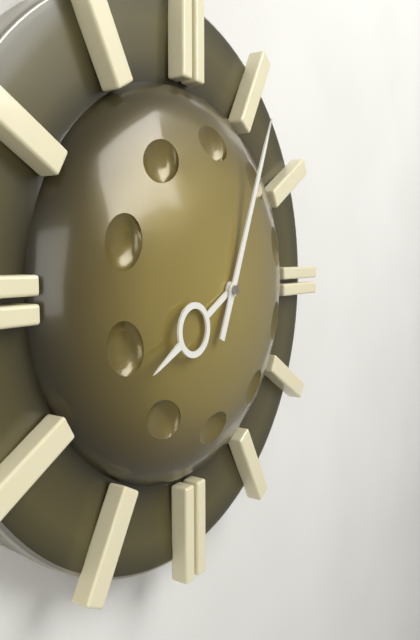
h=8 m=4
